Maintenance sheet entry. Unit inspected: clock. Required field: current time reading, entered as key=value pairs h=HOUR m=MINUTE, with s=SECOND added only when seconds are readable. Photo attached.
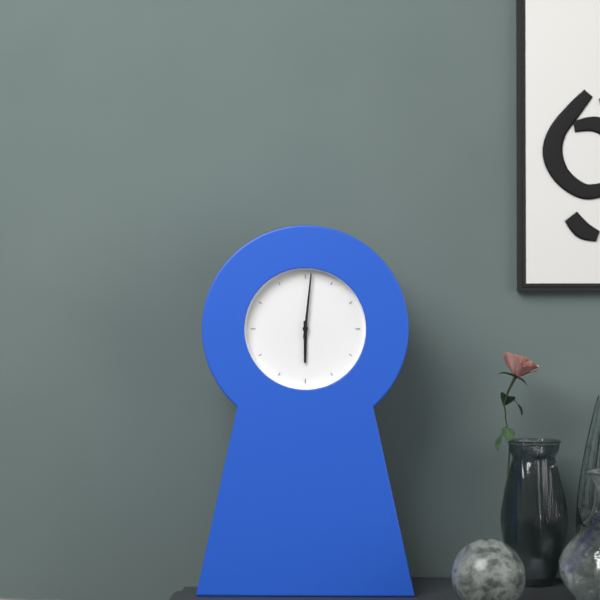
h=6 m=1
